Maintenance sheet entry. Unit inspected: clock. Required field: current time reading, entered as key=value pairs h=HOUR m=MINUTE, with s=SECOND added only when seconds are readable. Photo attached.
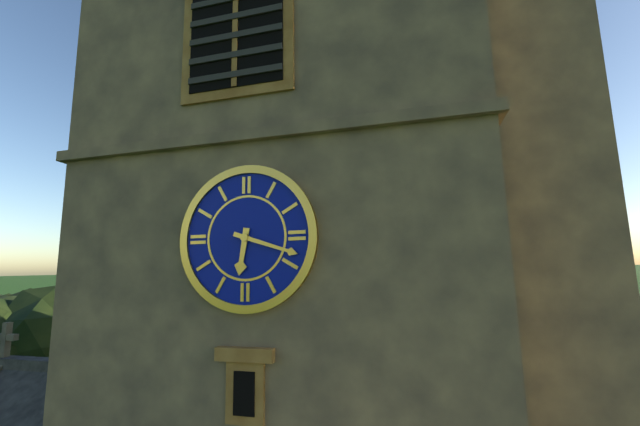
h=6 m=18
